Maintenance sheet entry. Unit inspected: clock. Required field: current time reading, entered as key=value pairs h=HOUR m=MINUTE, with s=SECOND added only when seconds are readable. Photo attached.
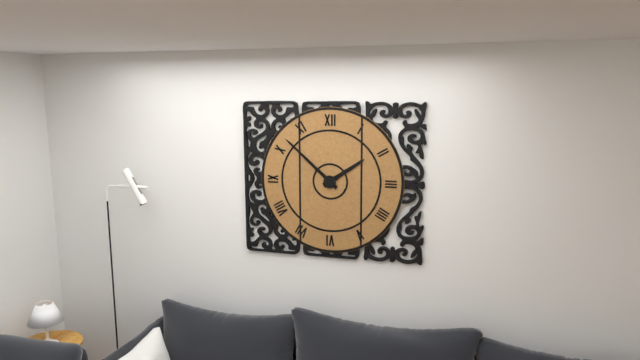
h=1 m=52
